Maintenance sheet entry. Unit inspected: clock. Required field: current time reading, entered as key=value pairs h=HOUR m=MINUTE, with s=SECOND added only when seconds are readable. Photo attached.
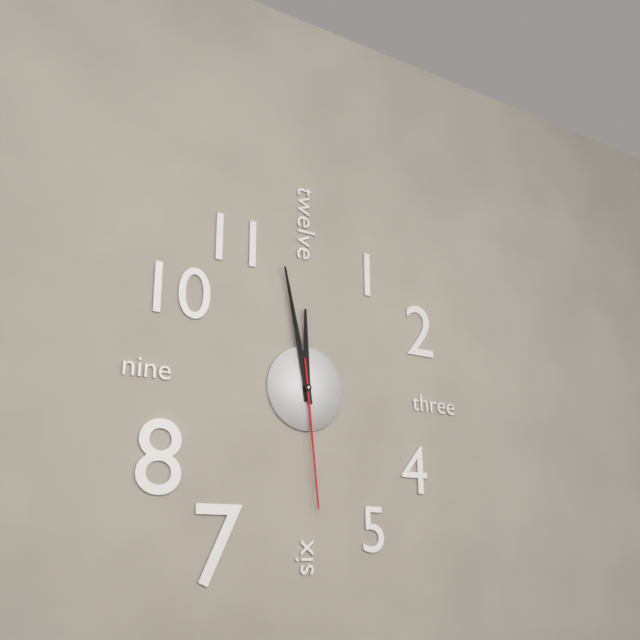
h=11 m=58 s=29
